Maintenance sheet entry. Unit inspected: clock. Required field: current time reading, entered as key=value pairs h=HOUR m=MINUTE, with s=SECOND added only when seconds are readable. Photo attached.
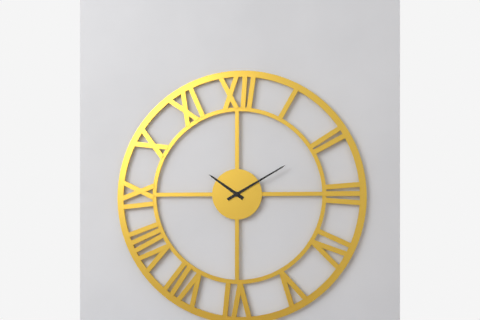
h=10 m=10
